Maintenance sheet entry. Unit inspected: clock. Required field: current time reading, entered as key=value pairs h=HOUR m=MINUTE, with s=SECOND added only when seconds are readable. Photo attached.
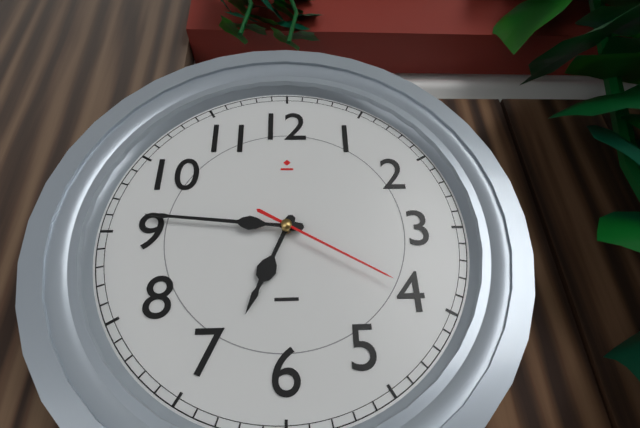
h=6 m=46 s=20
